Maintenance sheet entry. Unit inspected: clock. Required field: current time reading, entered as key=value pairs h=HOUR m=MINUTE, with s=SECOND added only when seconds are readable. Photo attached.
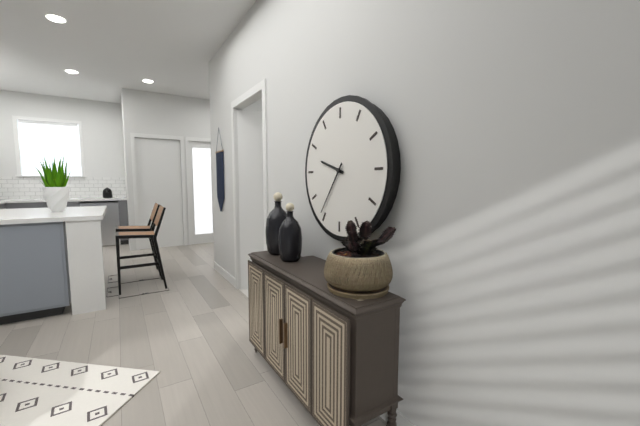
h=9 m=36
